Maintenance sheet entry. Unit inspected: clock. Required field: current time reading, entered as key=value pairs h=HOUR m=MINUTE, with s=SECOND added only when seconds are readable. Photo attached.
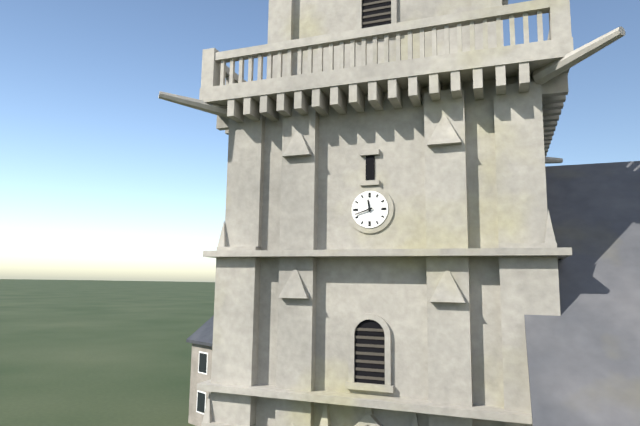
h=11 m=42
